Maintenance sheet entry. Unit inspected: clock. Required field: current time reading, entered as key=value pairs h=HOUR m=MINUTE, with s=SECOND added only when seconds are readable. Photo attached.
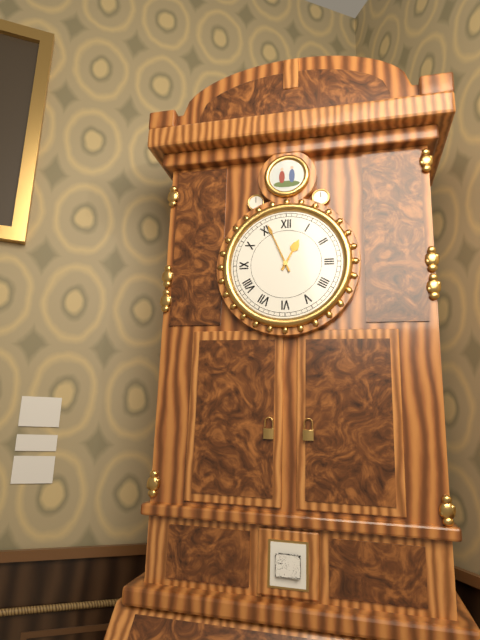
h=12 m=56
